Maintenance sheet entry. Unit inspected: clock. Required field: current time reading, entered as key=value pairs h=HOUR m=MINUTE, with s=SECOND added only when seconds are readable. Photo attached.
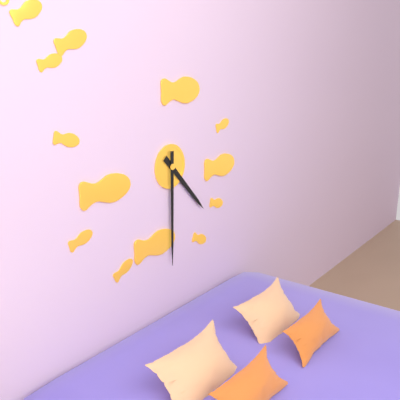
h=4 m=30
